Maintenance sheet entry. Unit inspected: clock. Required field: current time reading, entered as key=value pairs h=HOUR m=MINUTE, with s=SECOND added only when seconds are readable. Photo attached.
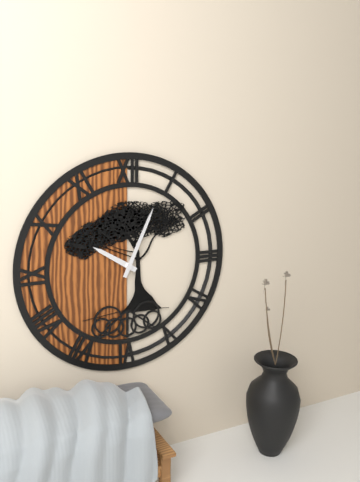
h=10 m=4
